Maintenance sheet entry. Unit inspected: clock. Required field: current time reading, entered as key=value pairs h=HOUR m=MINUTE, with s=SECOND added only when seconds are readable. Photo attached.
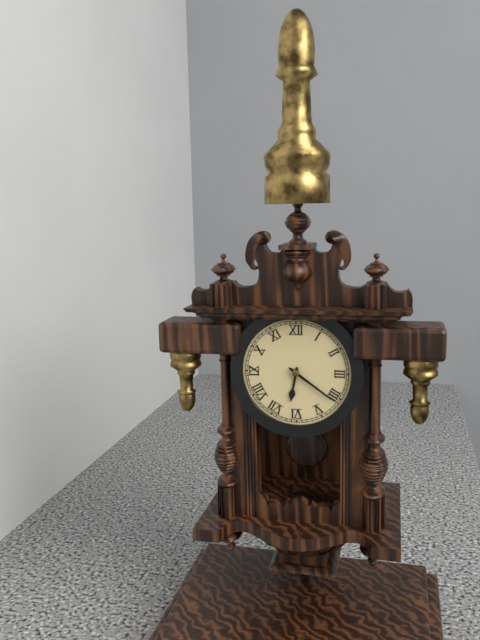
h=6 m=21
